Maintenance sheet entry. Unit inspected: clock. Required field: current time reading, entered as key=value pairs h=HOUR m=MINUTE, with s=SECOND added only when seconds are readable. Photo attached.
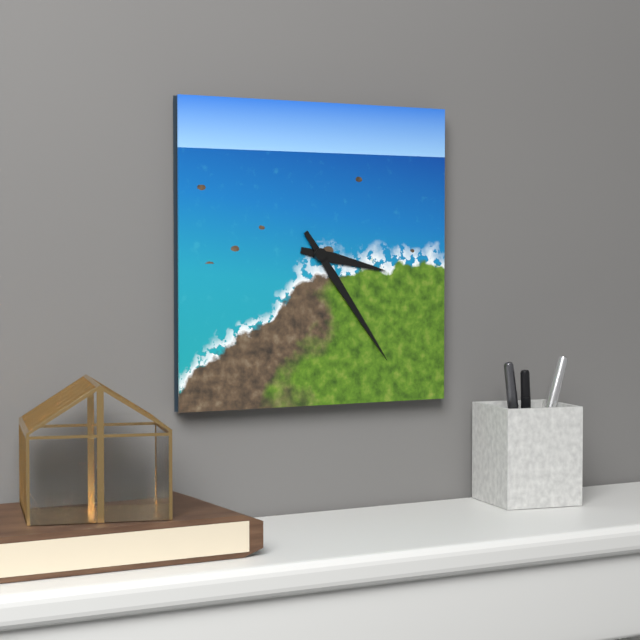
h=3 m=24
